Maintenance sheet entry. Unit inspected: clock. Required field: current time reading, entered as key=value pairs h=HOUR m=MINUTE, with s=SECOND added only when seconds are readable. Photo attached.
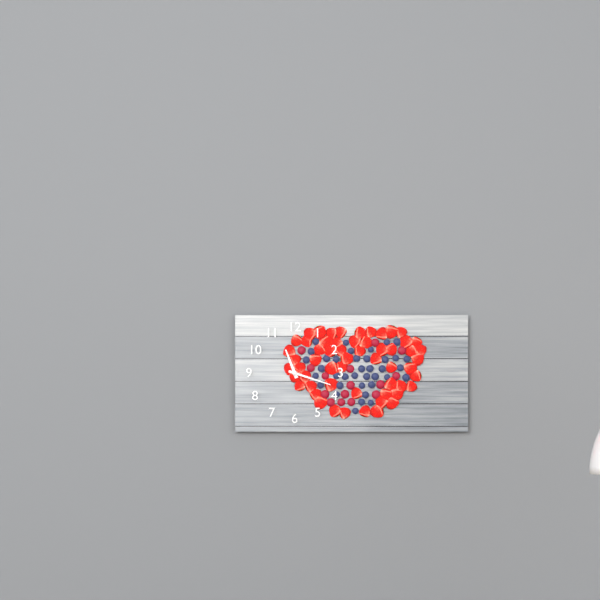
h=11 m=18
